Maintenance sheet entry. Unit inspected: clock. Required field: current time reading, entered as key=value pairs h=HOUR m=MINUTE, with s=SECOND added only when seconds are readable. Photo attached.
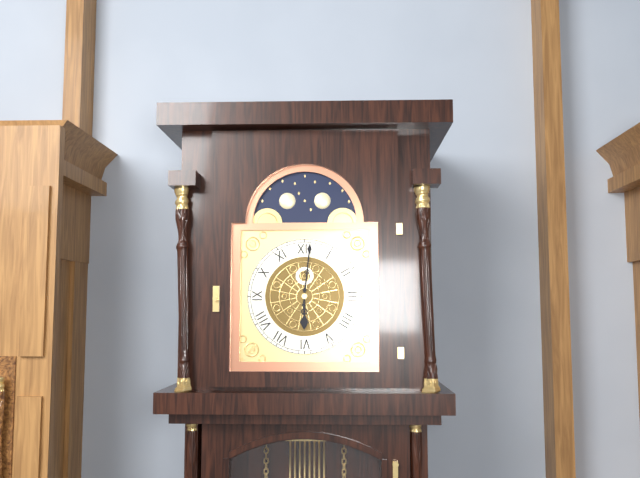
h=6 m=1
